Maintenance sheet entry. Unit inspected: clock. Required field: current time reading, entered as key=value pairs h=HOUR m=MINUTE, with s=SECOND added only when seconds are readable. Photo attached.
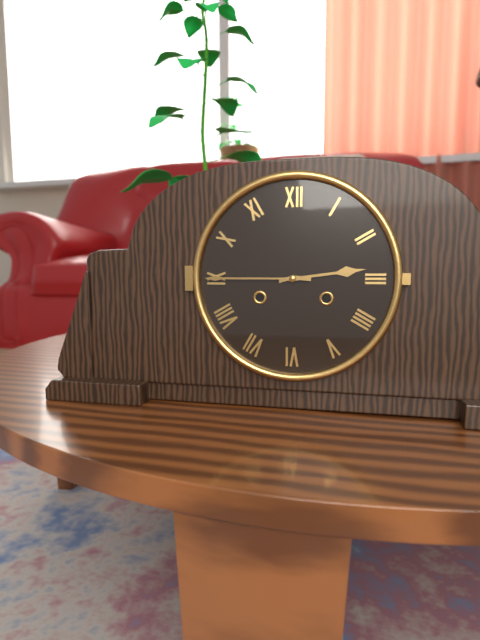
h=2 m=45
